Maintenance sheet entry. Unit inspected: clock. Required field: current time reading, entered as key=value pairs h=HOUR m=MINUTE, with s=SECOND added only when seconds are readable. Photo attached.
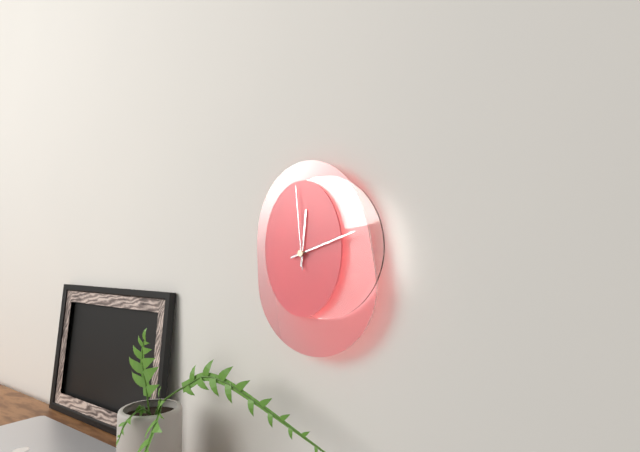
h=12 m=12 s=59
